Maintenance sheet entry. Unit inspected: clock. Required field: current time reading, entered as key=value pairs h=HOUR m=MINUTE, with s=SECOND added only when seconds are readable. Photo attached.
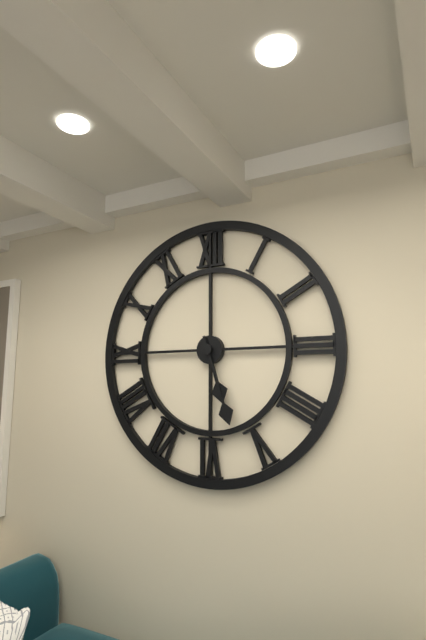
h=5 m=27
